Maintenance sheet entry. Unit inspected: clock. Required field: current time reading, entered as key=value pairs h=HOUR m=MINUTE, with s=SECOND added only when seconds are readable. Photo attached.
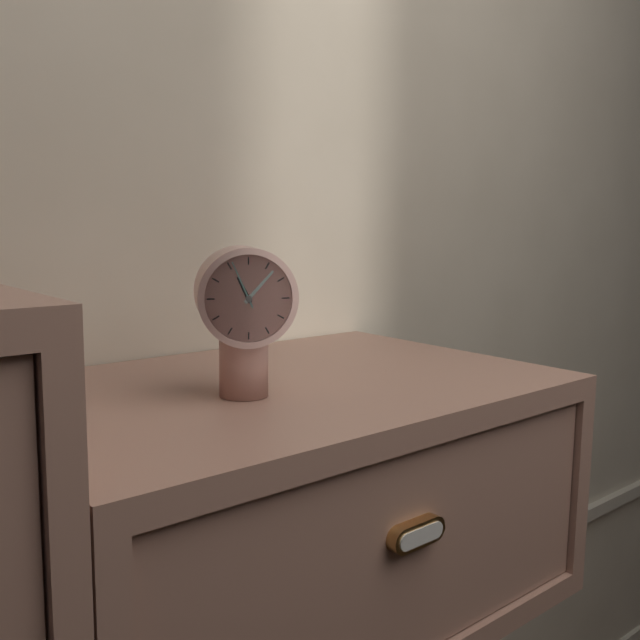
h=11 m=7 s=56
